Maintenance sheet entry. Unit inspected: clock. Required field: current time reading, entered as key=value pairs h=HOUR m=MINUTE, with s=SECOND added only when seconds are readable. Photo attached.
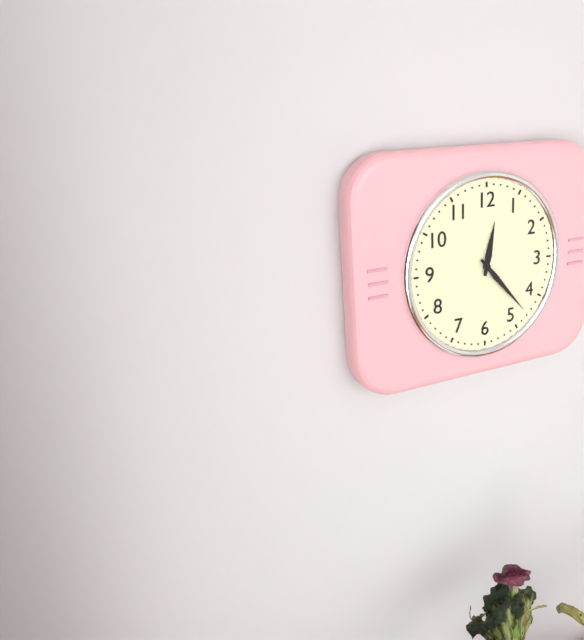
h=12 m=23
